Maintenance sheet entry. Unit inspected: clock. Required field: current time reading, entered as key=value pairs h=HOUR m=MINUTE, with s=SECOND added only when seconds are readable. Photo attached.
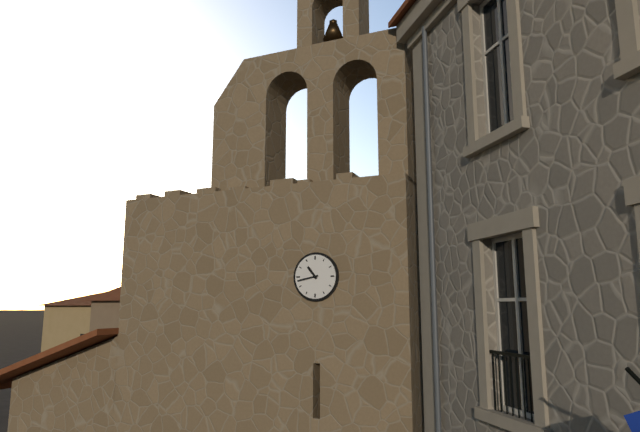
h=10 m=43
